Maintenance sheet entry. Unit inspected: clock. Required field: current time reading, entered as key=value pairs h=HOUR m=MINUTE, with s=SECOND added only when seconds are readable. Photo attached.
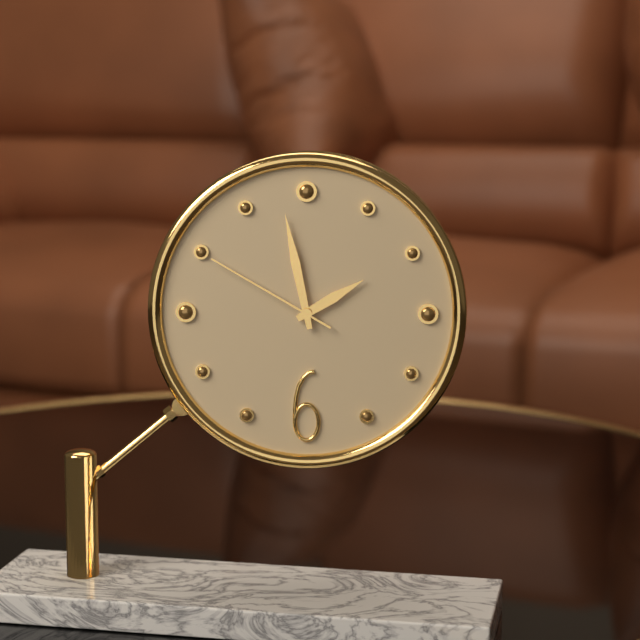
h=1 m=58 s=50
